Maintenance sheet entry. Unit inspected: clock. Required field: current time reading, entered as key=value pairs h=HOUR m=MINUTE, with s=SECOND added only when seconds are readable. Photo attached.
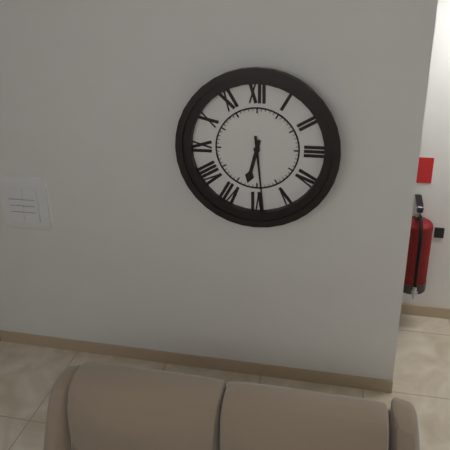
h=6 m=29
